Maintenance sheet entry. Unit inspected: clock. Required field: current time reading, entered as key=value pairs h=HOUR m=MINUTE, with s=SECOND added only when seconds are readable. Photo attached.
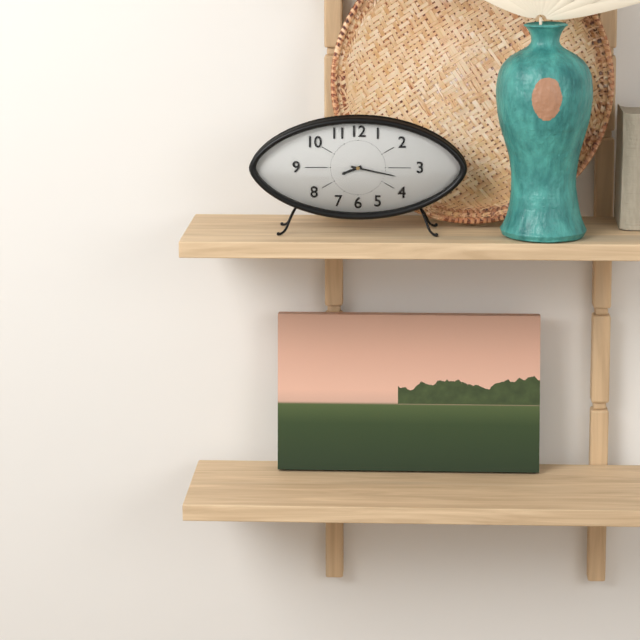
h=8 m=17
